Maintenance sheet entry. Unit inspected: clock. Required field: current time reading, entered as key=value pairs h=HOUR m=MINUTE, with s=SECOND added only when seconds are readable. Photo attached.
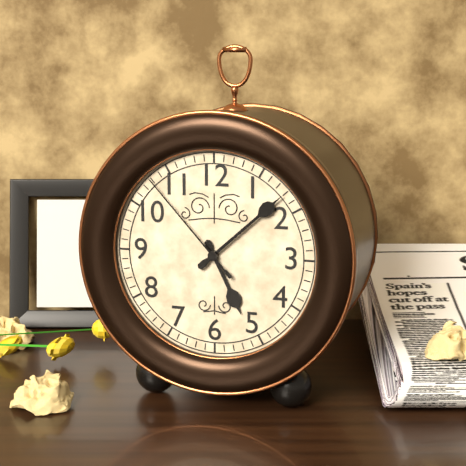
h=5 m=8 s=53
